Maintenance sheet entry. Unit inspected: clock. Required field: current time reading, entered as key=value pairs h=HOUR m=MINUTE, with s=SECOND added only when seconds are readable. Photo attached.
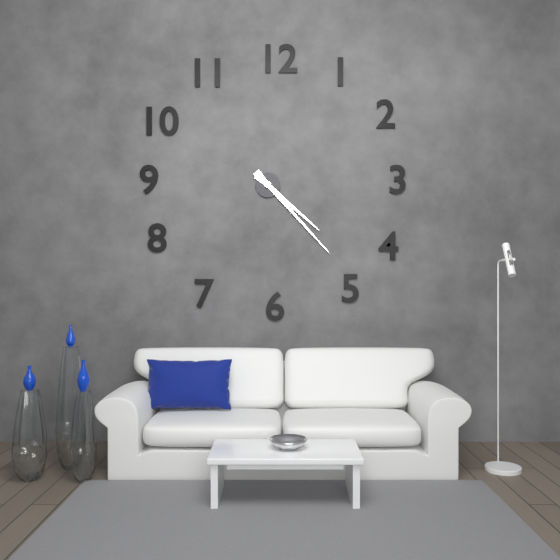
h=4 m=23
